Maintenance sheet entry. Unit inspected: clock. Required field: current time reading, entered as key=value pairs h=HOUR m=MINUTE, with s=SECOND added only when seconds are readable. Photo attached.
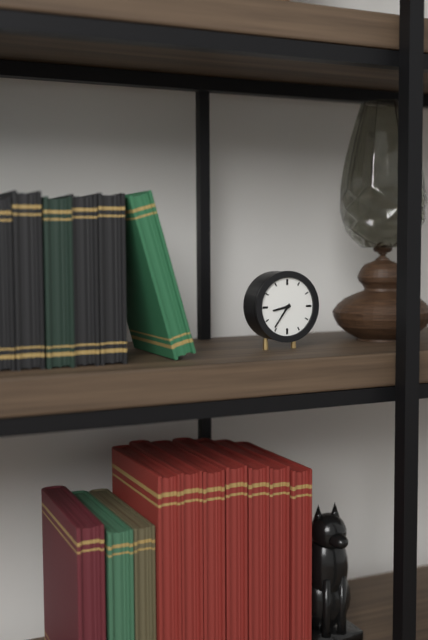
h=8 m=36
